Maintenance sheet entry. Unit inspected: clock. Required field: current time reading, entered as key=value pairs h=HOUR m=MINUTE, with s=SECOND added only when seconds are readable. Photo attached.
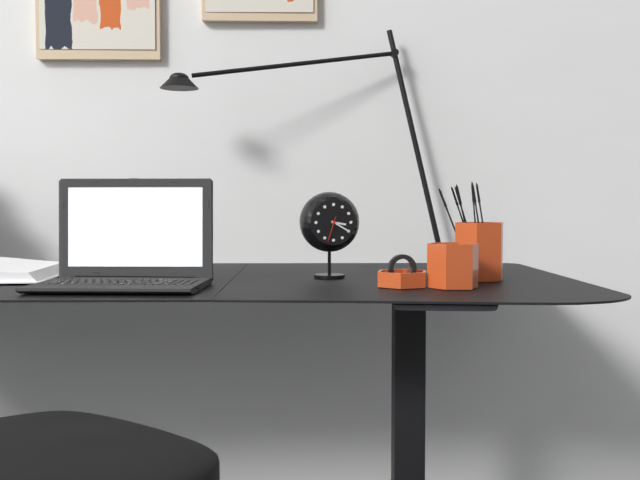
h=3 m=20
